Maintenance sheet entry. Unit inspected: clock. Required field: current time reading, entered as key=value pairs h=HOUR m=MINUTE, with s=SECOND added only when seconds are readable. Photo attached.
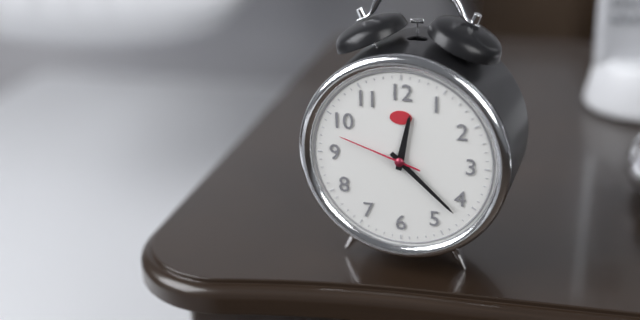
h=12 m=22 s=48
